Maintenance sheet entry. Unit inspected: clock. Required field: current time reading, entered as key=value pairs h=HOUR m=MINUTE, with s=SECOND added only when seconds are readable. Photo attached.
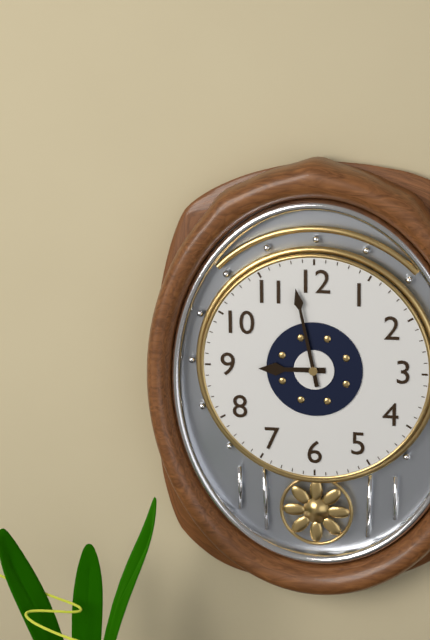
h=8 m=58
